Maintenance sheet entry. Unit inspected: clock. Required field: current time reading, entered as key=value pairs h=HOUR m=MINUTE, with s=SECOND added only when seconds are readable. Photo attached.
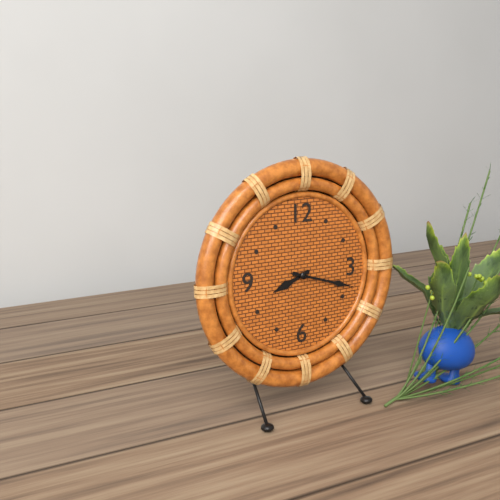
h=8 m=18
